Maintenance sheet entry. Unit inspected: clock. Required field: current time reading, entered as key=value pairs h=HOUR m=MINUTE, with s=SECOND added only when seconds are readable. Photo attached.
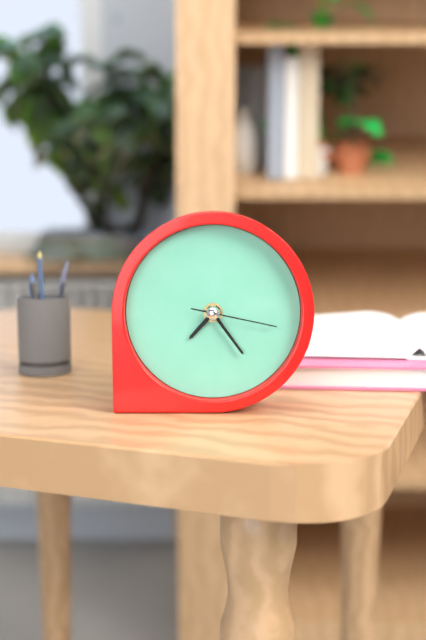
h=7 m=24 s=17
